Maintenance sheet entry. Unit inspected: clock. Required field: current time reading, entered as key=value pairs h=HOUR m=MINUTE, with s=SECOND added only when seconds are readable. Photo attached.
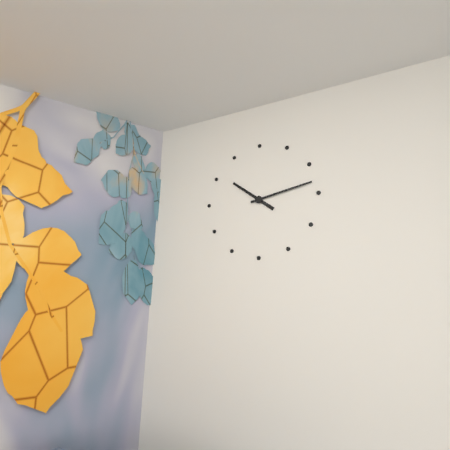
h=10 m=13
